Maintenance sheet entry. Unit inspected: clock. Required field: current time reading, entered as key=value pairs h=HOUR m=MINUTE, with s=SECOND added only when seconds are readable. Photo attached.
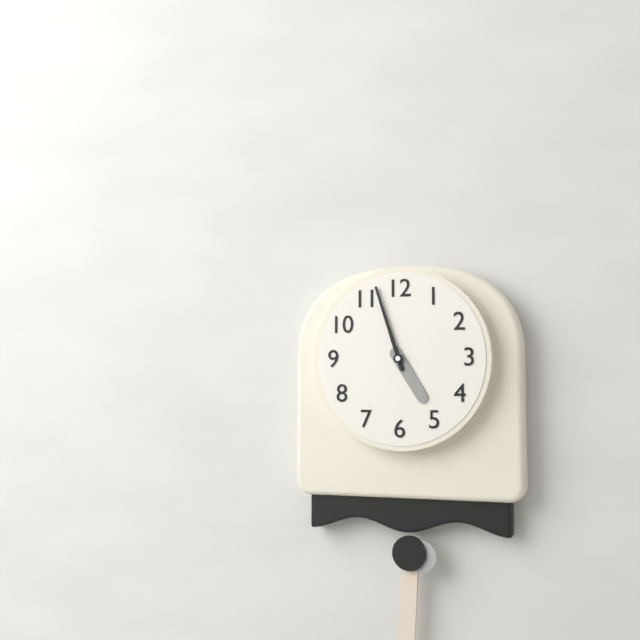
h=4 m=57
